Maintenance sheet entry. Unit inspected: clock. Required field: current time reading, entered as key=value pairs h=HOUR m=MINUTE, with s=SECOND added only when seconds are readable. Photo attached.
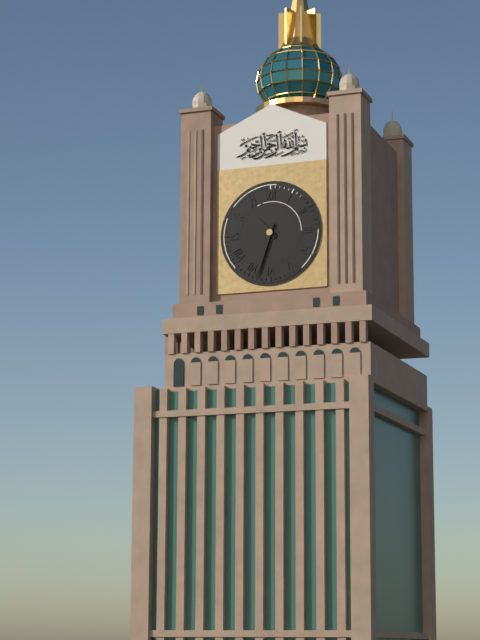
h=10 m=33
